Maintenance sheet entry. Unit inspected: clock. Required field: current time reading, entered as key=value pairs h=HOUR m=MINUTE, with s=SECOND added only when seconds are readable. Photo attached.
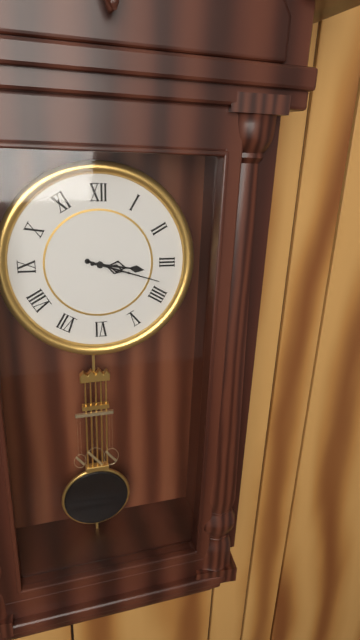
h=3 m=18
